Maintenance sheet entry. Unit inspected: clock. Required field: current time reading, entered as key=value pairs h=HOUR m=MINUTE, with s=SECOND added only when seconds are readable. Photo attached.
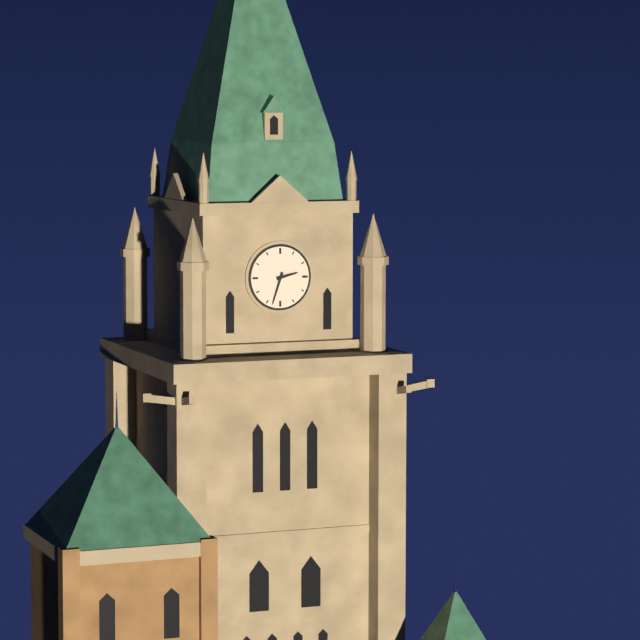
h=2 m=33
